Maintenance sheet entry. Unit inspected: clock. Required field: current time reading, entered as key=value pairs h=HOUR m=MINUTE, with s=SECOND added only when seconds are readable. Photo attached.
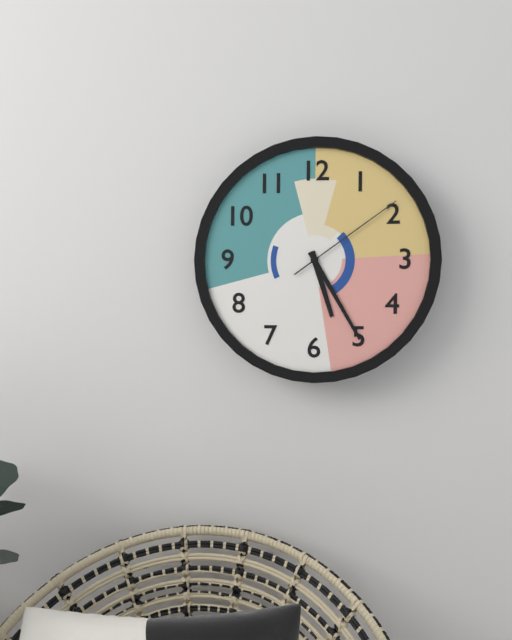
h=5 m=25 s=9
